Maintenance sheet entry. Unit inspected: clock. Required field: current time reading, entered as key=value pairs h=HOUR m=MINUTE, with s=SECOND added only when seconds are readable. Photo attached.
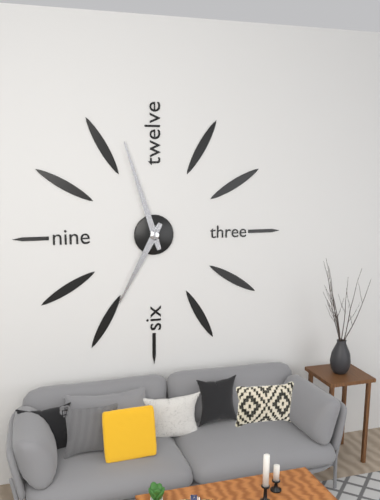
h=6 m=57
